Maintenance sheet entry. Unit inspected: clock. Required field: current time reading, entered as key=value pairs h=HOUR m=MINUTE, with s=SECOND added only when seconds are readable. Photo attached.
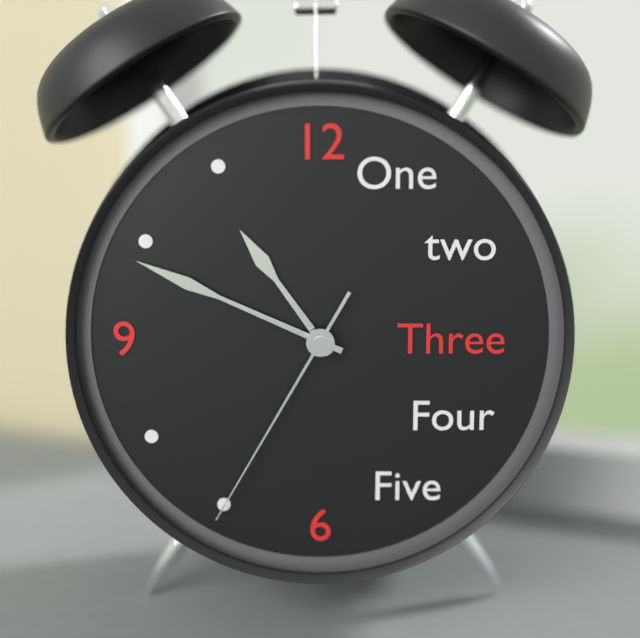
h=10 m=49 s=35
